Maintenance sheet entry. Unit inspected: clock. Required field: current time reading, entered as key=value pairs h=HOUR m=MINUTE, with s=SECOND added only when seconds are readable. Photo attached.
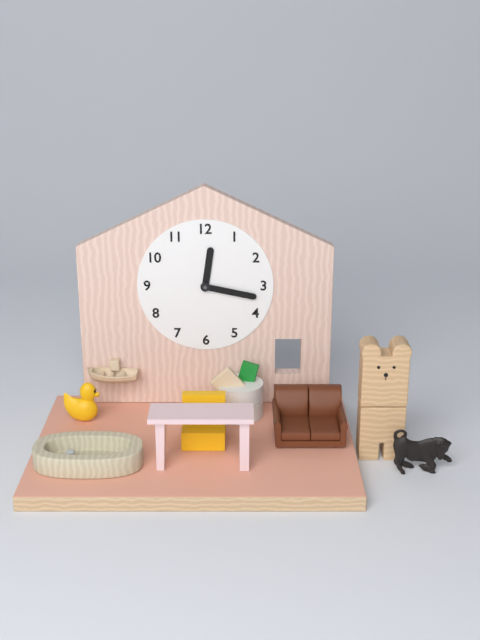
h=12 m=17
